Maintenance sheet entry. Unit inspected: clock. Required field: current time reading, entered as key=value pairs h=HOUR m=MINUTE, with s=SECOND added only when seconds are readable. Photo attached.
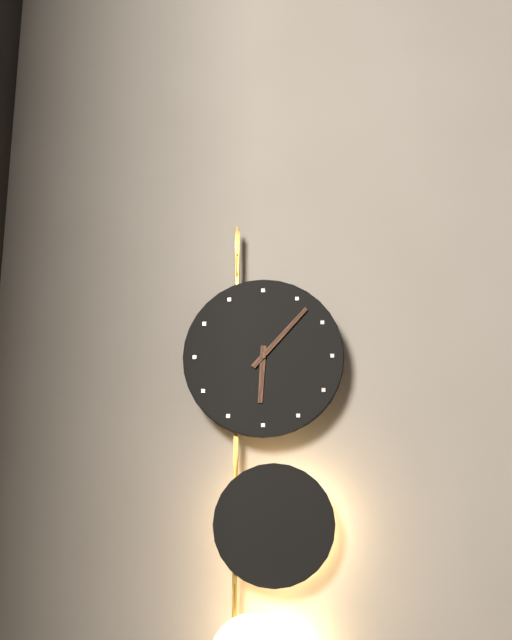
h=6 m=7
